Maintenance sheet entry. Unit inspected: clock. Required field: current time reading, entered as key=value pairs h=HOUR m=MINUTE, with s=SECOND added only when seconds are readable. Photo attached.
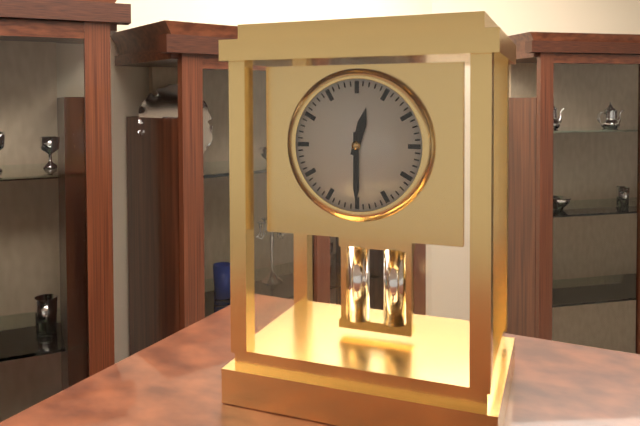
h=12 m=30
